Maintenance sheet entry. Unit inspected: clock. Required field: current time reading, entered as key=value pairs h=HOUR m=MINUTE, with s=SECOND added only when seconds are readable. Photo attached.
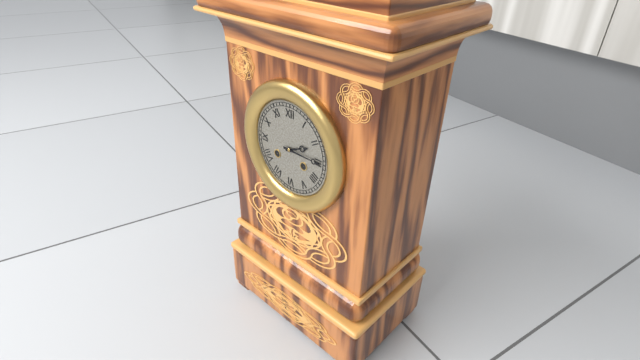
h=2 m=15
